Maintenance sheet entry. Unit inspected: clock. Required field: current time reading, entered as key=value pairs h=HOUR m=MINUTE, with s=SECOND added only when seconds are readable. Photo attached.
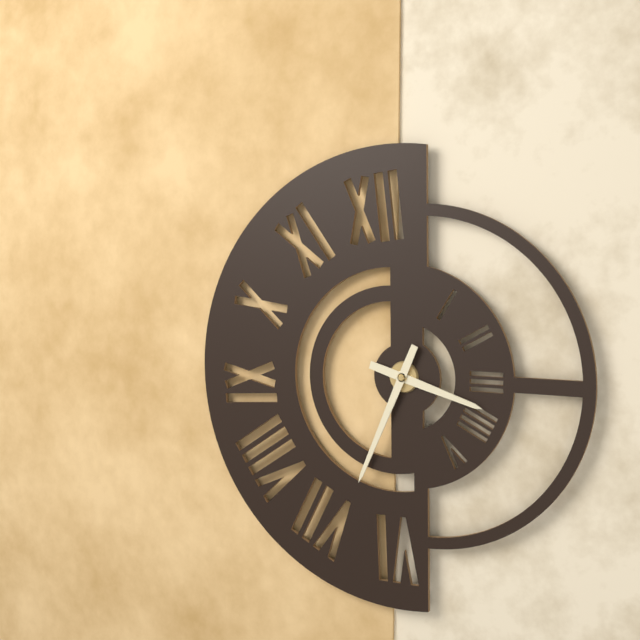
h=3 m=34
